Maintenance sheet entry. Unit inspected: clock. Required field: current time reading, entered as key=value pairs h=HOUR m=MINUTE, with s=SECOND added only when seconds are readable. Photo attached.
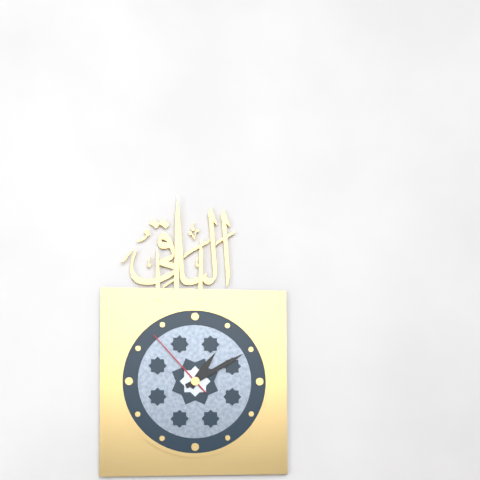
h=1 m=10 s=53
